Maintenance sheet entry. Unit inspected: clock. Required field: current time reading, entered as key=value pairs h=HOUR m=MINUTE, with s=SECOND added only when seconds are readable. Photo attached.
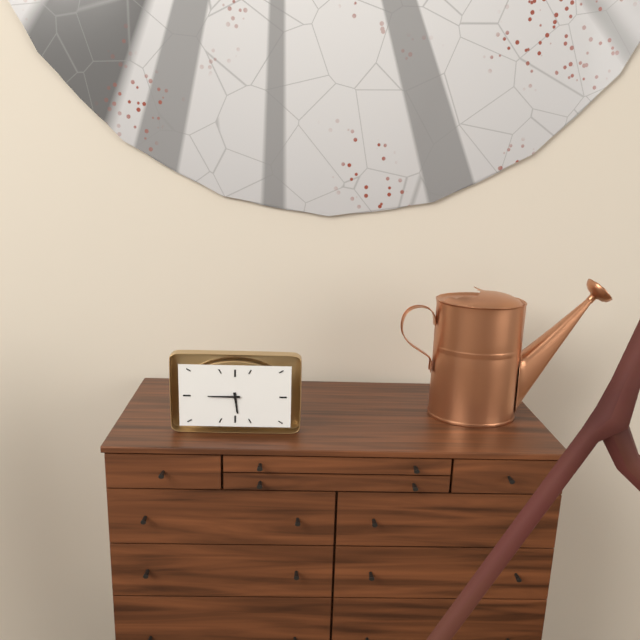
h=5 m=45
